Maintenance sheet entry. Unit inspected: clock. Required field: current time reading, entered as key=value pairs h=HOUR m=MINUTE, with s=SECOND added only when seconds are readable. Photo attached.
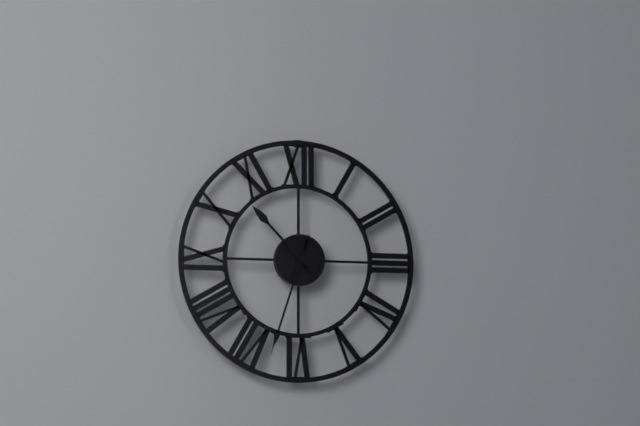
h=10 m=33
